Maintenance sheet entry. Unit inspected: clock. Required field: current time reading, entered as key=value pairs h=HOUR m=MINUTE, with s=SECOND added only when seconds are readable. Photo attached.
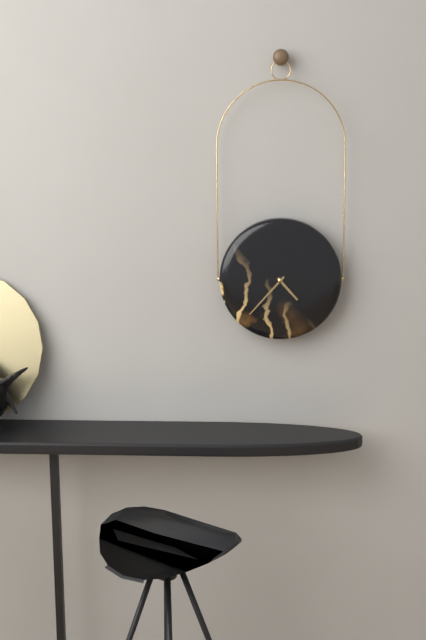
h=4 m=37
